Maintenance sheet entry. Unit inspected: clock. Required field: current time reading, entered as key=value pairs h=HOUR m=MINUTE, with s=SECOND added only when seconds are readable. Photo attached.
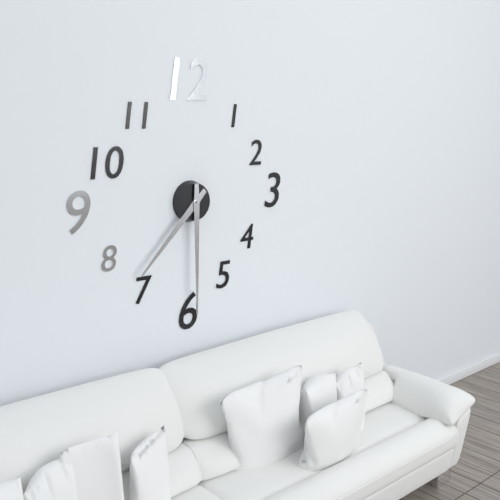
h=7 m=30
